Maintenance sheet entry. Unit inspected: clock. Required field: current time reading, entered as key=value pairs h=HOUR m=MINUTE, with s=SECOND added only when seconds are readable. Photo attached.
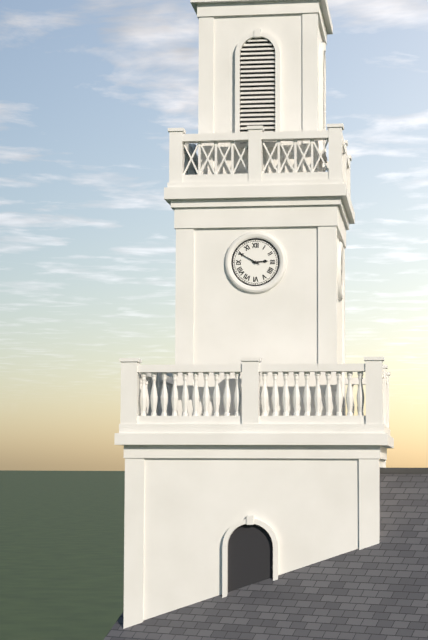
h=2 m=50
